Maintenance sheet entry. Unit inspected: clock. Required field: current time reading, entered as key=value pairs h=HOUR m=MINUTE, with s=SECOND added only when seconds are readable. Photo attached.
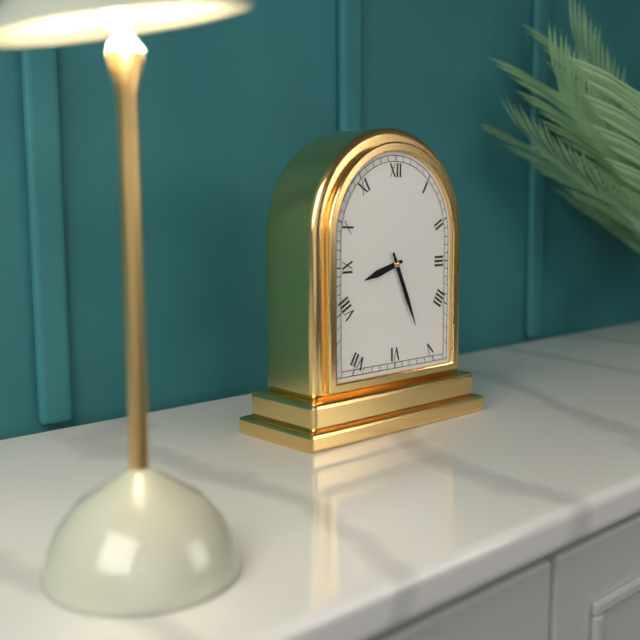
h=8 m=26
